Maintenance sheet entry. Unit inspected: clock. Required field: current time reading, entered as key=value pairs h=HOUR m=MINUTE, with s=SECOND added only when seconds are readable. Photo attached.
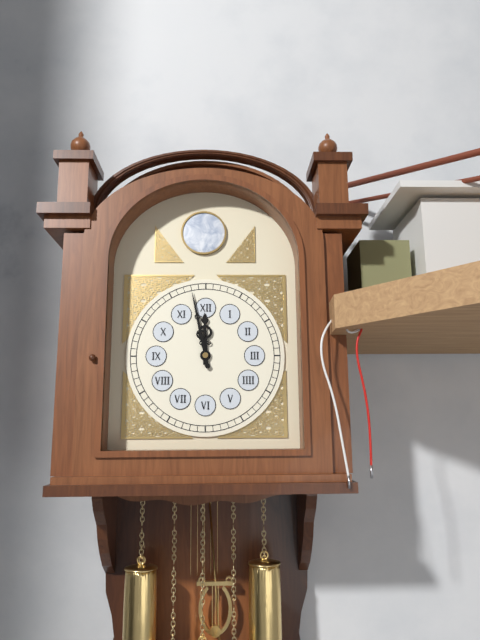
h=11 m=58
